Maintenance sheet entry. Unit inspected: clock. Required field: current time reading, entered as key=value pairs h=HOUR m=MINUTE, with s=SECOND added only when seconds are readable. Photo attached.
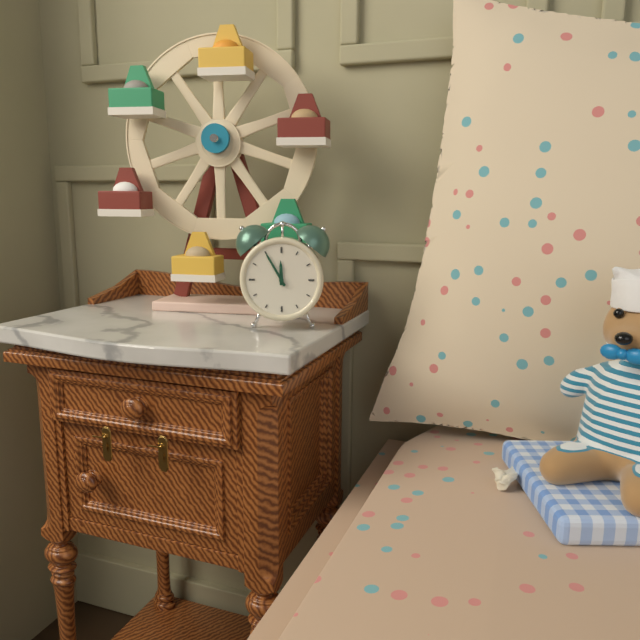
h=11 m=55
